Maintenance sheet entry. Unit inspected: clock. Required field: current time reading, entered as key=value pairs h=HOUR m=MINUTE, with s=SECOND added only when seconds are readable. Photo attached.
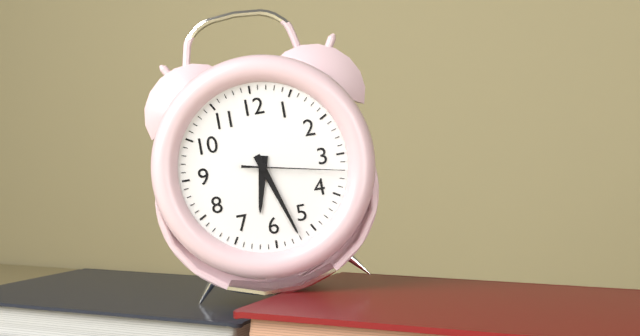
h=6 m=27 s=17
